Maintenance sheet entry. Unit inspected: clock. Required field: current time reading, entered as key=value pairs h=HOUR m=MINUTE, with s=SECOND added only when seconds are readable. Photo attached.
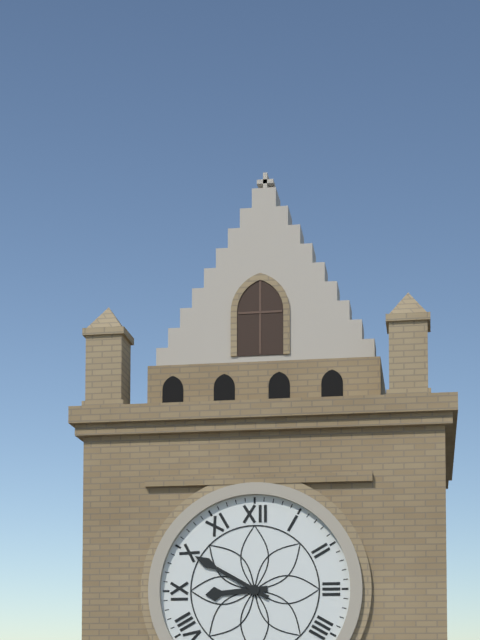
h=8 m=50
